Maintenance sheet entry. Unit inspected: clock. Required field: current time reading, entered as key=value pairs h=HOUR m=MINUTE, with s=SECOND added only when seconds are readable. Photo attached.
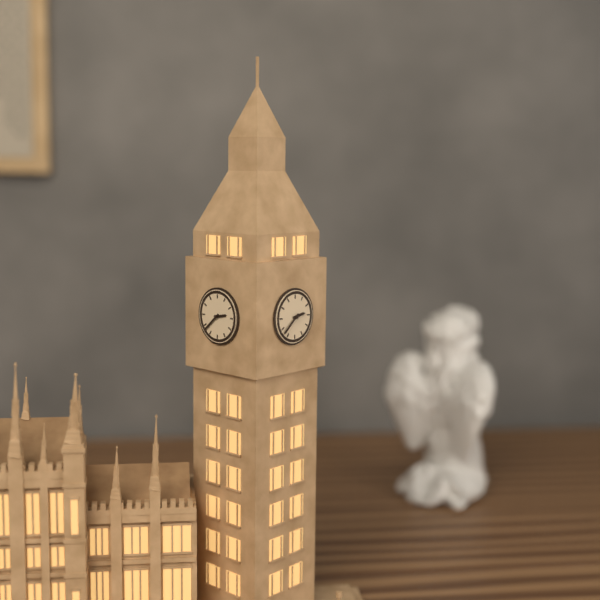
h=2 m=38
